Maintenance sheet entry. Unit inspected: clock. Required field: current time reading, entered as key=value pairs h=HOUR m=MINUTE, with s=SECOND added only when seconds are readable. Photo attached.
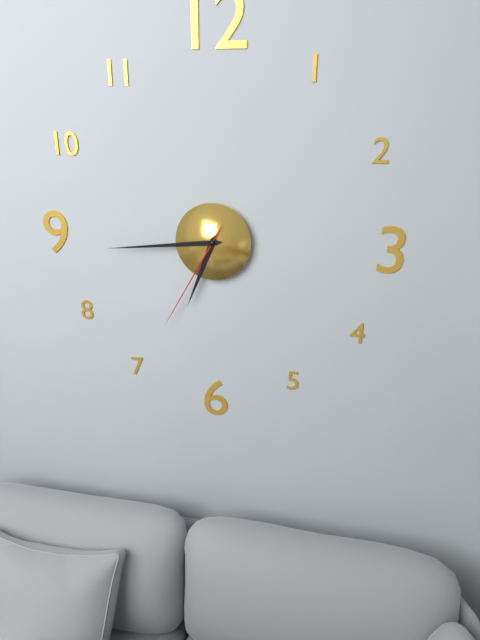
h=6 m=44 s=35
